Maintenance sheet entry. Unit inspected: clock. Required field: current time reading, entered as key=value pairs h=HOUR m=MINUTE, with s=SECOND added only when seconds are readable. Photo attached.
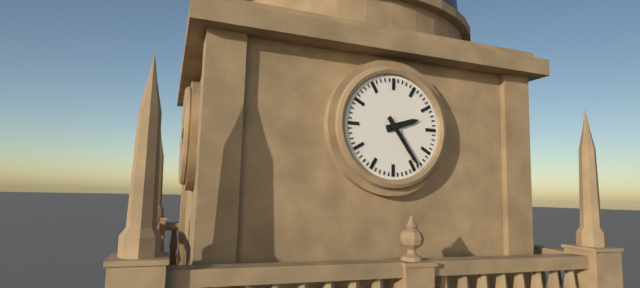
h=2 m=24
